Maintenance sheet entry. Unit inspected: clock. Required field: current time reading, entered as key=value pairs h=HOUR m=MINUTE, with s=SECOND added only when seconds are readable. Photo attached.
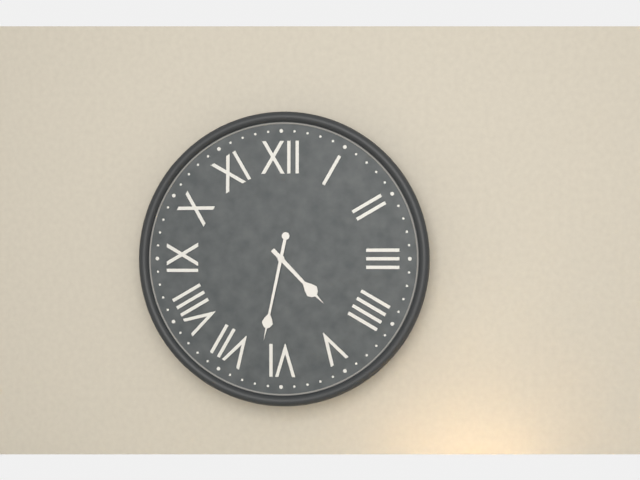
h=4 m=32
